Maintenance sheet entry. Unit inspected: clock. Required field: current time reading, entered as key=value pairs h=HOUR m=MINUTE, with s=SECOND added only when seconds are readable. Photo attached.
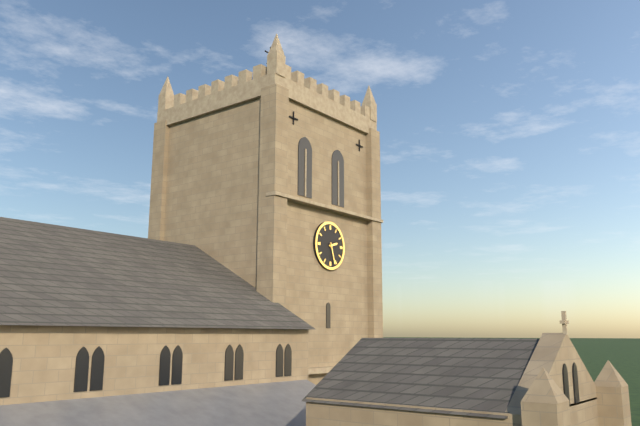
h=2 m=27
